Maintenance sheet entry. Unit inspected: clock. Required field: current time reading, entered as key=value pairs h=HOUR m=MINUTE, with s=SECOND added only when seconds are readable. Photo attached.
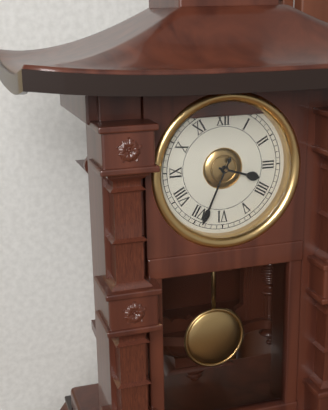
h=3 m=34
